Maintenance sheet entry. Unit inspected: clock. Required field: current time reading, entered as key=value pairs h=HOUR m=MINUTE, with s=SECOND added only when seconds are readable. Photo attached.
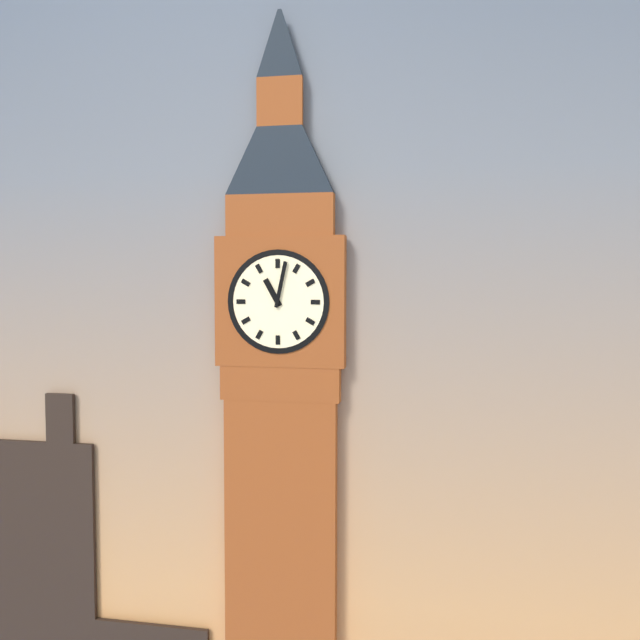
h=11 m=2
